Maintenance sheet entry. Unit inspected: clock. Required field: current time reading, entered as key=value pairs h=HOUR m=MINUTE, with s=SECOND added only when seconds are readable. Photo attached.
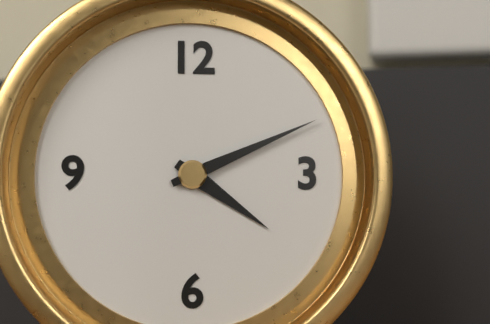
h=4 m=11
